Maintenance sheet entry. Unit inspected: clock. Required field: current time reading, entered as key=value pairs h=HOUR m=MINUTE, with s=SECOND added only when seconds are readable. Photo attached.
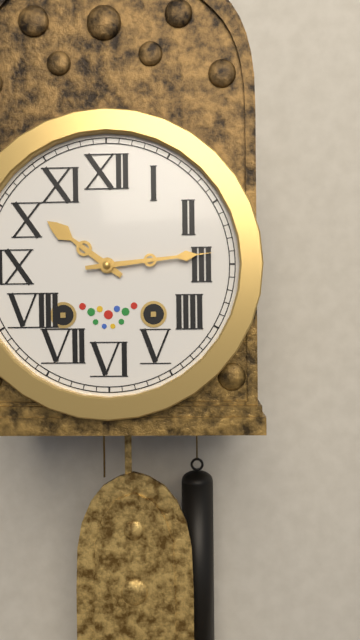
h=10 m=14
